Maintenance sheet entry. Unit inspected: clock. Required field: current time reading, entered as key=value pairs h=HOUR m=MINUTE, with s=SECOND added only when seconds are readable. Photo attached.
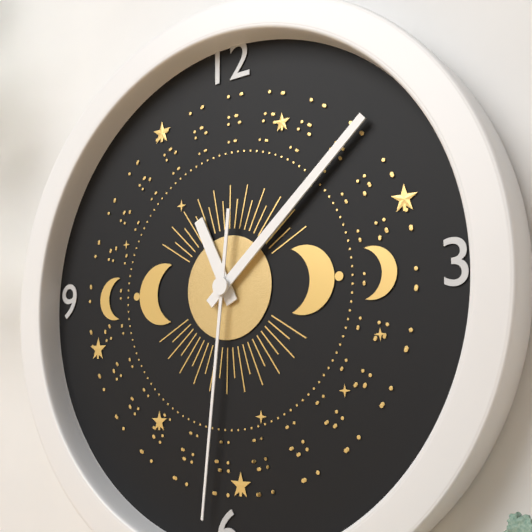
h=11 m=8 s=31
